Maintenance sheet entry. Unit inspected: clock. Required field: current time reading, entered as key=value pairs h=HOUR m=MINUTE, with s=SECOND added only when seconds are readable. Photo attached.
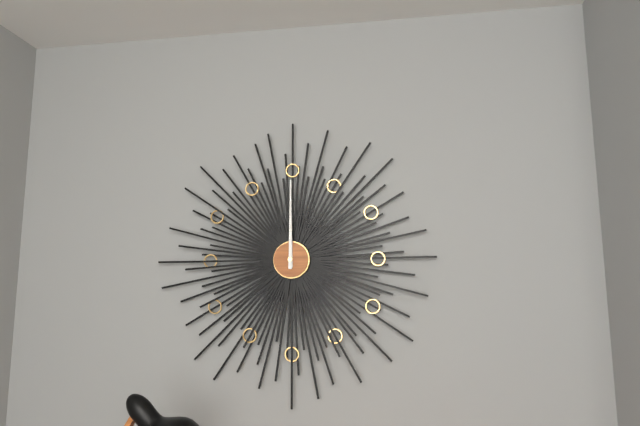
h=12 m=0
